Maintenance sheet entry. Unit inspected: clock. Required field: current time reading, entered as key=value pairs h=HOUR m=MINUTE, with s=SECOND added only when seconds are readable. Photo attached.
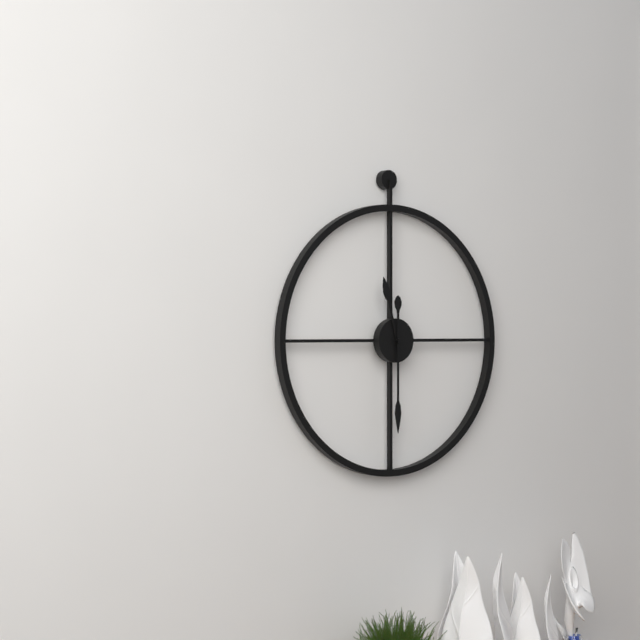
h=11 m=30
